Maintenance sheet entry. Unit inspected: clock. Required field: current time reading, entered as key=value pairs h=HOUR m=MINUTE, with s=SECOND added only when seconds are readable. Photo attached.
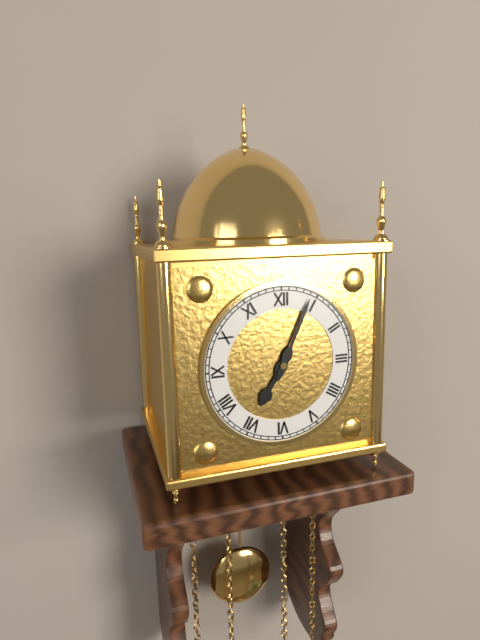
h=7 m=4
